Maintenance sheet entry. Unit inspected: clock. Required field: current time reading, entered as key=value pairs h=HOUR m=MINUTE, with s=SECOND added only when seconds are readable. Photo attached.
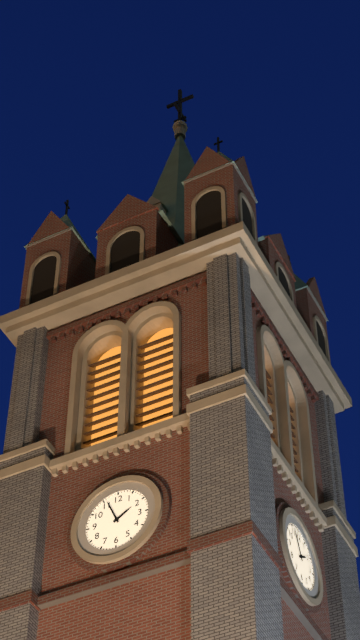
h=1 m=56
